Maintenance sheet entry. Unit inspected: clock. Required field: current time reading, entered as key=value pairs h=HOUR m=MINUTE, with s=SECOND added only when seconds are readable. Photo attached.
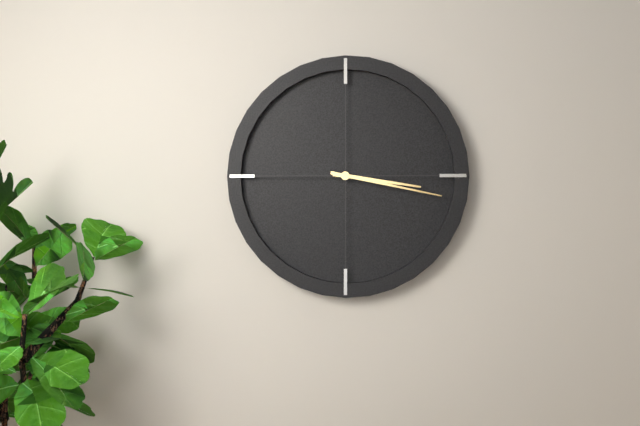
h=3 m=17
